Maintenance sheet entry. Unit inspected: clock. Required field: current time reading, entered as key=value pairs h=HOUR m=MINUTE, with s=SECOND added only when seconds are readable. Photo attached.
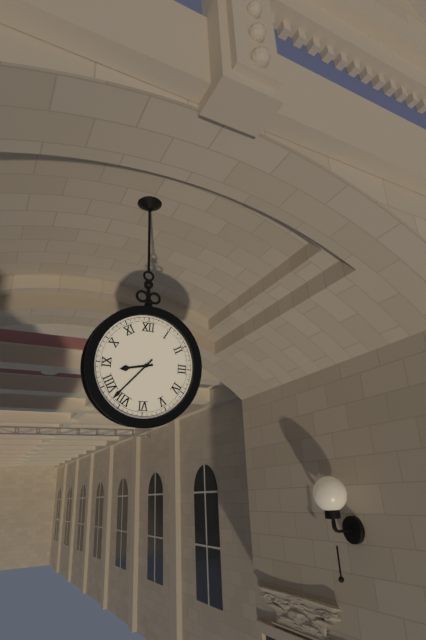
h=8 m=37
